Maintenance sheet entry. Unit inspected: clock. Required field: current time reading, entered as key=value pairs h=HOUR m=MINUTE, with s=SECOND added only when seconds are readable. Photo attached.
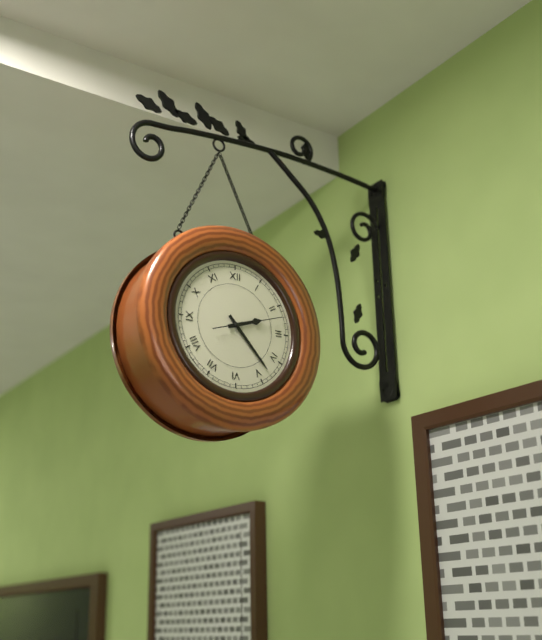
h=2 m=23 s=12
